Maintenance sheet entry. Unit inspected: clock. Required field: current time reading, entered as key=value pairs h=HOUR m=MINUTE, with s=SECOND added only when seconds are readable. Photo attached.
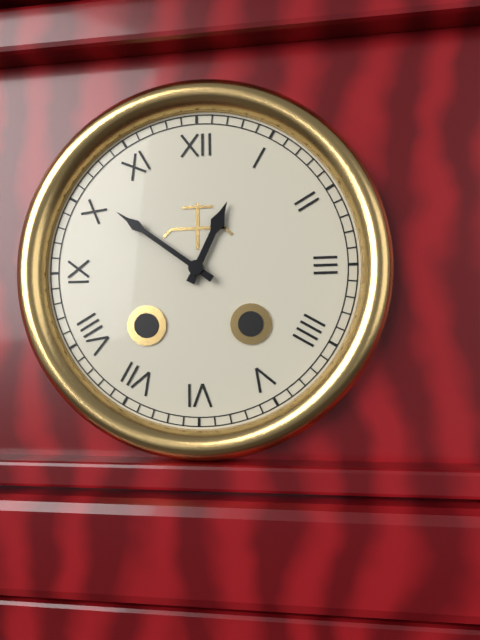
h=12 m=51
